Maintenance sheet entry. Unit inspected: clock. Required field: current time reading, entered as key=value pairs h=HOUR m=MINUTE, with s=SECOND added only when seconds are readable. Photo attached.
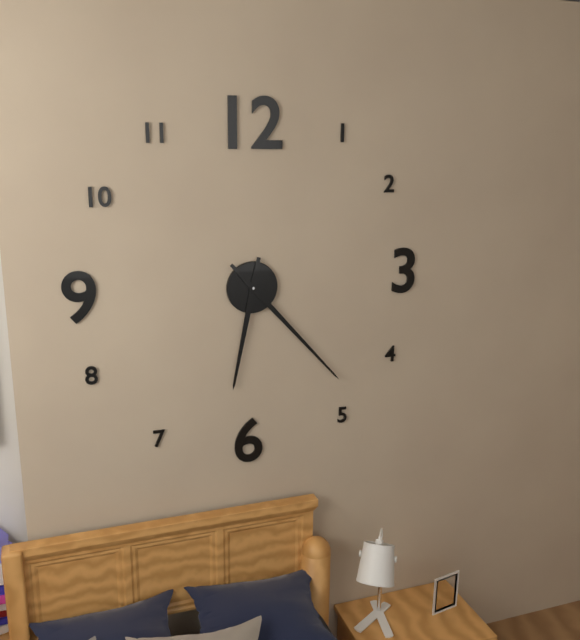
h=6 m=23
